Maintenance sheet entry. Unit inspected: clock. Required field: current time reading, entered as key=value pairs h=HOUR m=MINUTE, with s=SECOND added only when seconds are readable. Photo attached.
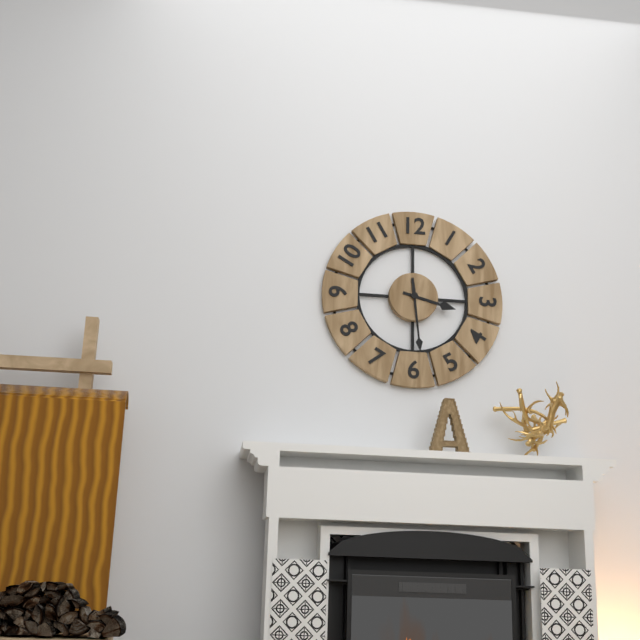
h=3 m=29
